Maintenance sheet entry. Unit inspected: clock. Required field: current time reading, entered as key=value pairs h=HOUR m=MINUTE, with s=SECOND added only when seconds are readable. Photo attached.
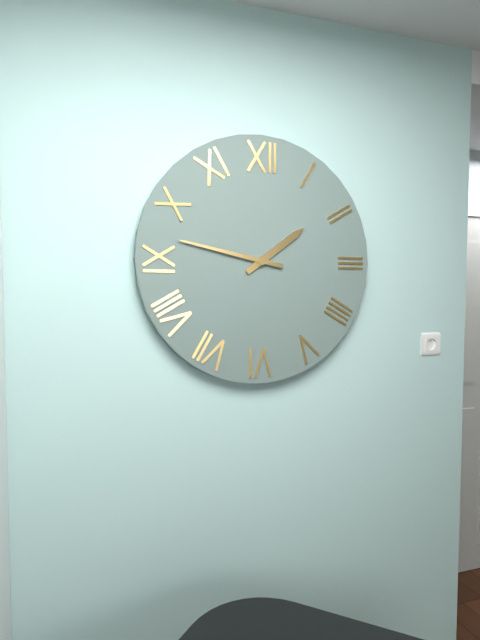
h=1 m=47
